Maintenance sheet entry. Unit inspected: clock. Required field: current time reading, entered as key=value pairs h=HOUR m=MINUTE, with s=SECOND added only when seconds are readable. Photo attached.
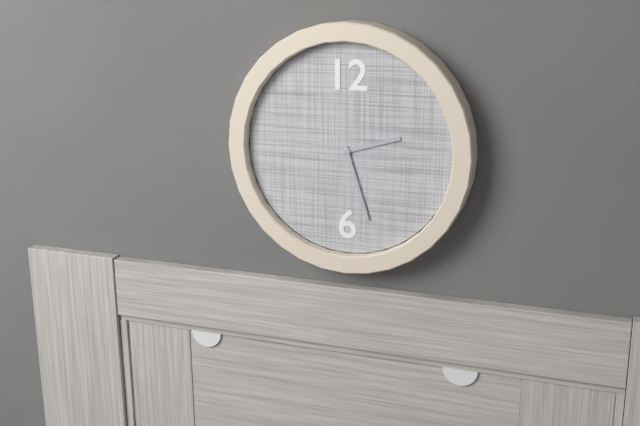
h=2 m=27
